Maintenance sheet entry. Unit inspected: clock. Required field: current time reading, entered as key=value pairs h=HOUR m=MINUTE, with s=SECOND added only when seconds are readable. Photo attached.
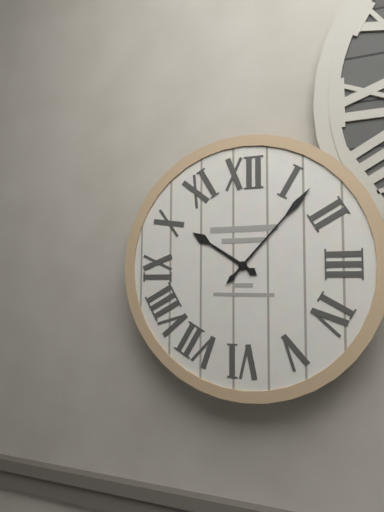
h=10 m=7
